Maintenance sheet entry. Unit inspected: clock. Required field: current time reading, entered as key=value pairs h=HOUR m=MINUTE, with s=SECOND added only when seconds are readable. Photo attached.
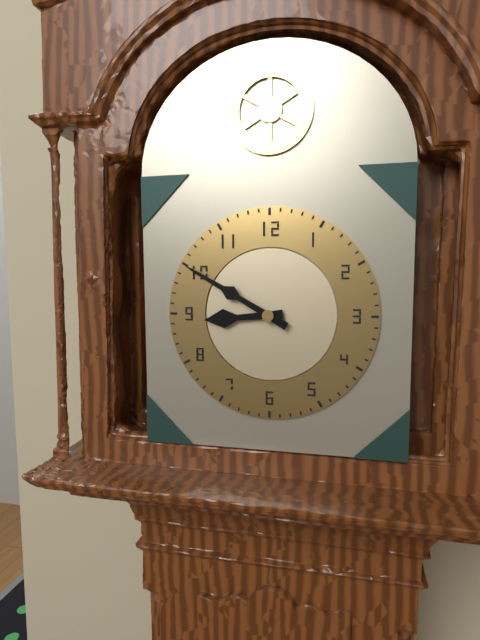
h=8 m=50
